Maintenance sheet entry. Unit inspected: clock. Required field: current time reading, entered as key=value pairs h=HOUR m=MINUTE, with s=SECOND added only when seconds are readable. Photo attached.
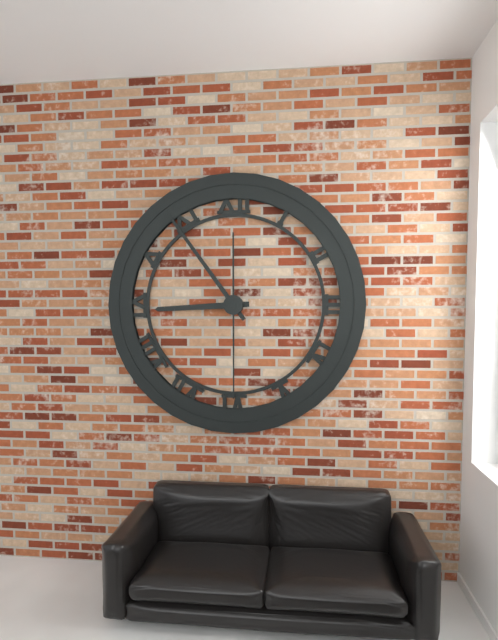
h=8 m=54 s=30
